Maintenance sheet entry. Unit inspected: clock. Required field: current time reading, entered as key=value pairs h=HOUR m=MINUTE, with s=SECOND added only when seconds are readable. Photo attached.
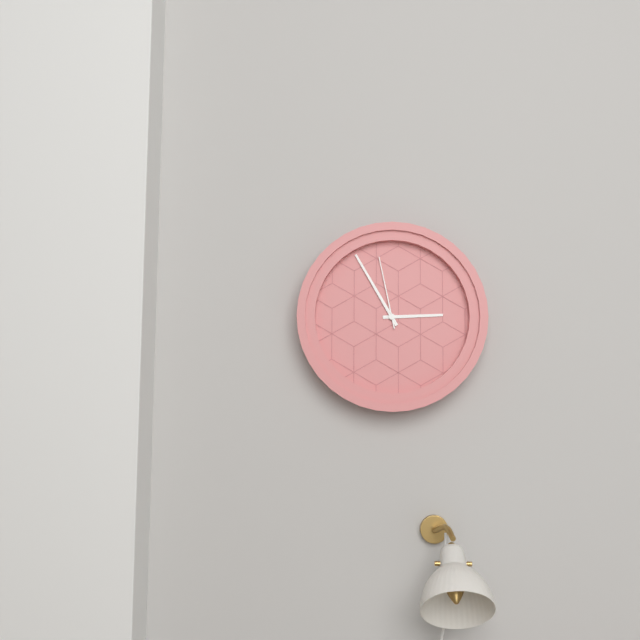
h=2 m=55 s=58
